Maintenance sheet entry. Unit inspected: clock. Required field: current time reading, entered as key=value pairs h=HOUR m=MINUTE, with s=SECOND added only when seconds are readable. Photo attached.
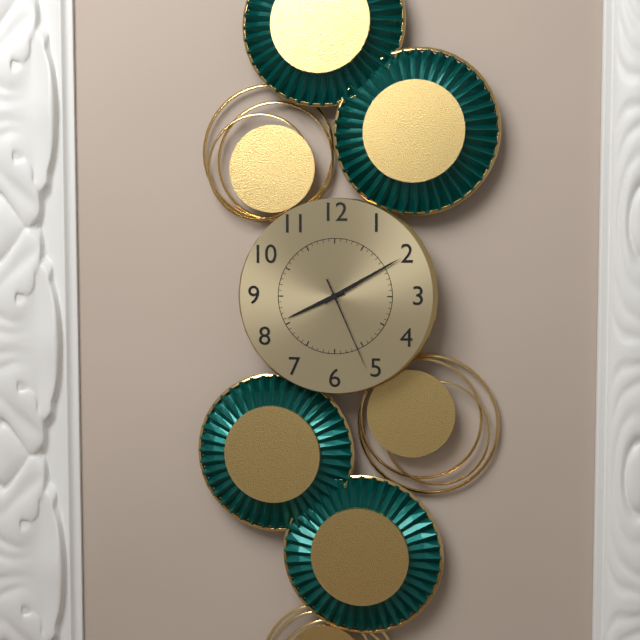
h=8 m=10 s=26
